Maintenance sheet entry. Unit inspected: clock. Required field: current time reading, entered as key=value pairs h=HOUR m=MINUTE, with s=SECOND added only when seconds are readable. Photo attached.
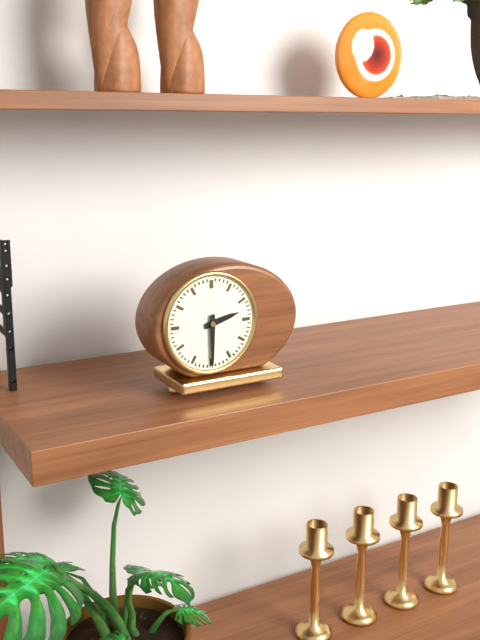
h=2 m=30
